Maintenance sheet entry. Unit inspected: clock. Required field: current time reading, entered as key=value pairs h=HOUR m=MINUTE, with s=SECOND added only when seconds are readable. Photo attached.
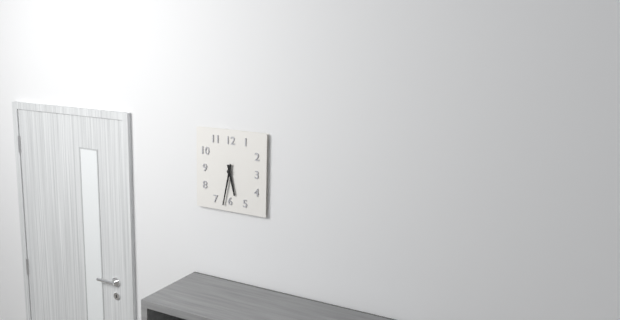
h=5 m=32
